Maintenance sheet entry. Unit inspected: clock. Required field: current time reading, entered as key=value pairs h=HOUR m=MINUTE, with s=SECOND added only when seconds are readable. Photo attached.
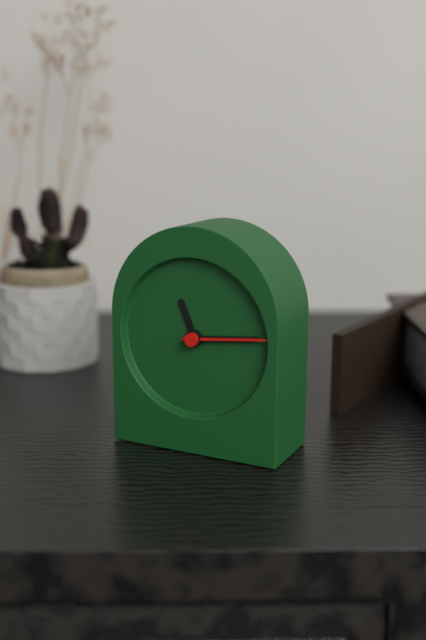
h=11 m=14 s=14
